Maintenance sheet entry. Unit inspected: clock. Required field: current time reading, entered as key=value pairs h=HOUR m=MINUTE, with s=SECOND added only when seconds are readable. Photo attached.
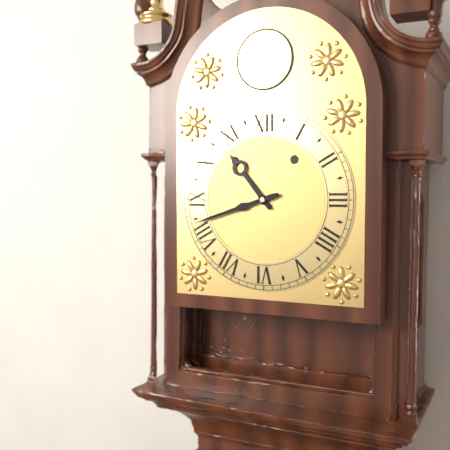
h=10 m=42
